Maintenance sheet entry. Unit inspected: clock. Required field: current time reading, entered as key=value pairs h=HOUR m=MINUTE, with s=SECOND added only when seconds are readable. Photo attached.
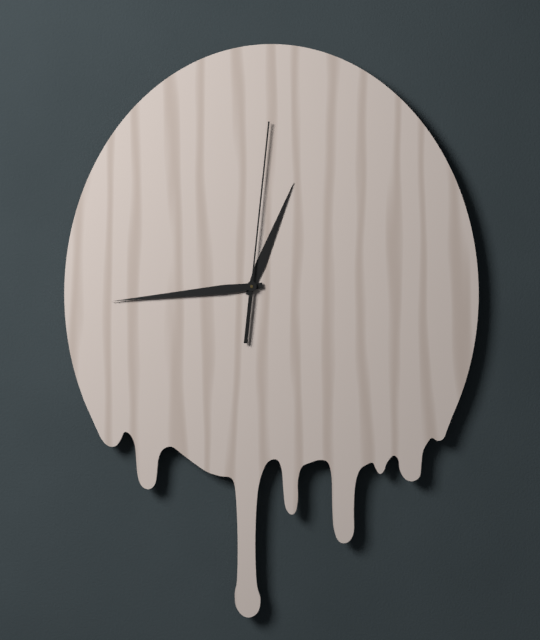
h=12 m=44 s=1
